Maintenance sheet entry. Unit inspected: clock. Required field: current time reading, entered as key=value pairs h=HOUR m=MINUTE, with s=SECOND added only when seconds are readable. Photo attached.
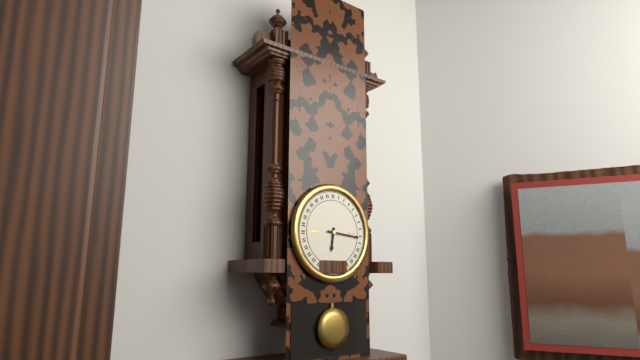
h=6 m=16
